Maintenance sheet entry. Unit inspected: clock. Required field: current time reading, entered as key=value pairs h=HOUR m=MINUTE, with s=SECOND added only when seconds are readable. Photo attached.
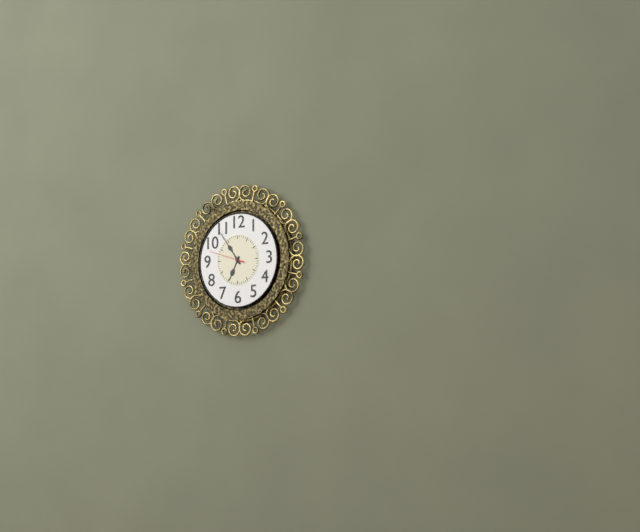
h=6 m=54
